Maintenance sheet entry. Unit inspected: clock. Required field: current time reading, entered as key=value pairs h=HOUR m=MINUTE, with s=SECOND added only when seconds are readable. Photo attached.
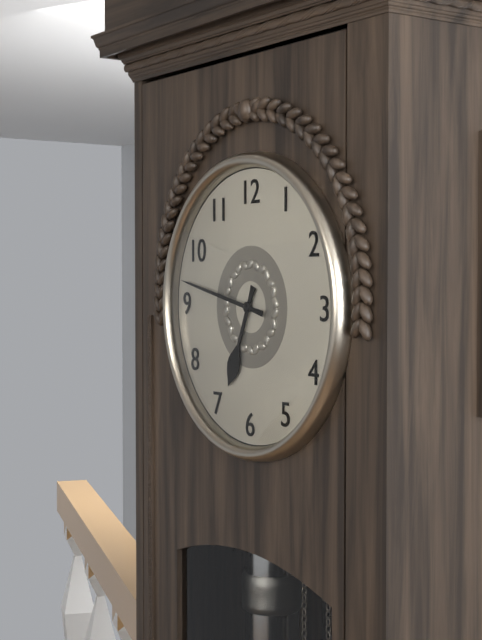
h=6 m=47
